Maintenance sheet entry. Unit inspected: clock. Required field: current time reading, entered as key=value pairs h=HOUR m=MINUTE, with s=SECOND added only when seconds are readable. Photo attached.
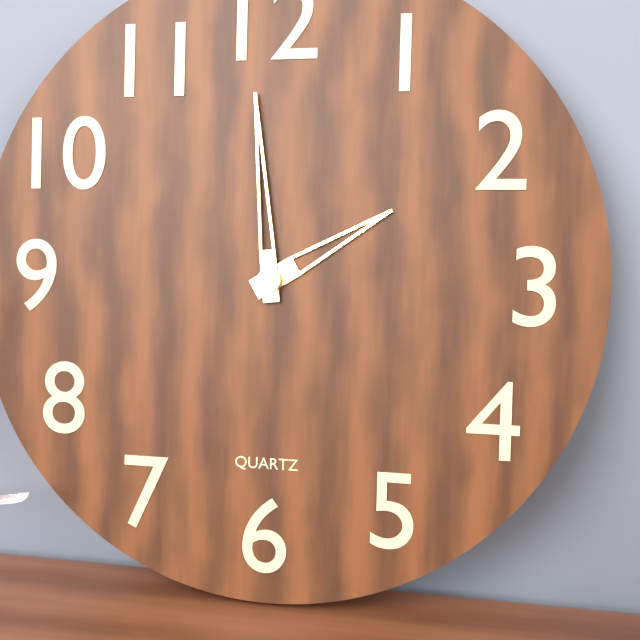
h=1 m=59
